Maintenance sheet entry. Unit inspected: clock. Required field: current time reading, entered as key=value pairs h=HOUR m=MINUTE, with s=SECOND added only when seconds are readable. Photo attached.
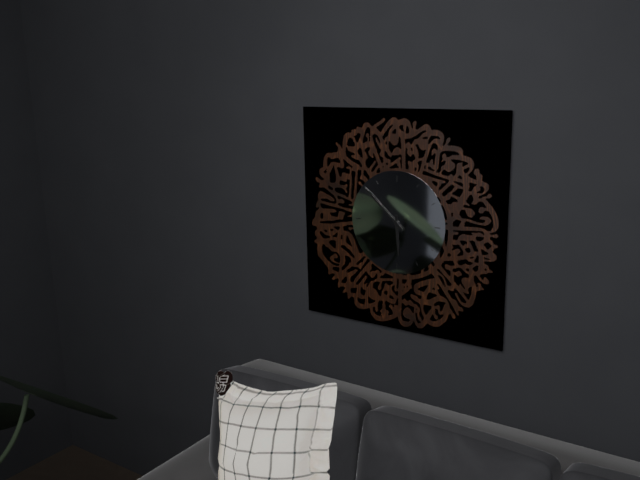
h=5 m=52
